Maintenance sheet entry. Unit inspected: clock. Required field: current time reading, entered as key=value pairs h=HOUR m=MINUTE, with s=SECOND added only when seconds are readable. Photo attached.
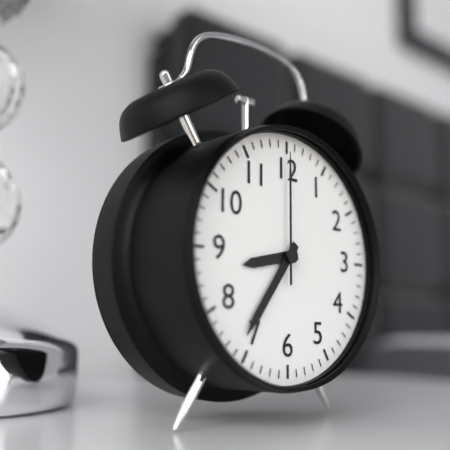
h=8 m=36 s=0
